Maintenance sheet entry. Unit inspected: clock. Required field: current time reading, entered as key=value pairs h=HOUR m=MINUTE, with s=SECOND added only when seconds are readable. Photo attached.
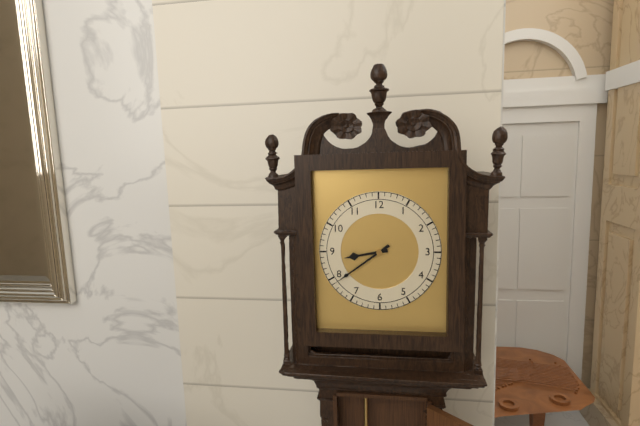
h=8 m=39
